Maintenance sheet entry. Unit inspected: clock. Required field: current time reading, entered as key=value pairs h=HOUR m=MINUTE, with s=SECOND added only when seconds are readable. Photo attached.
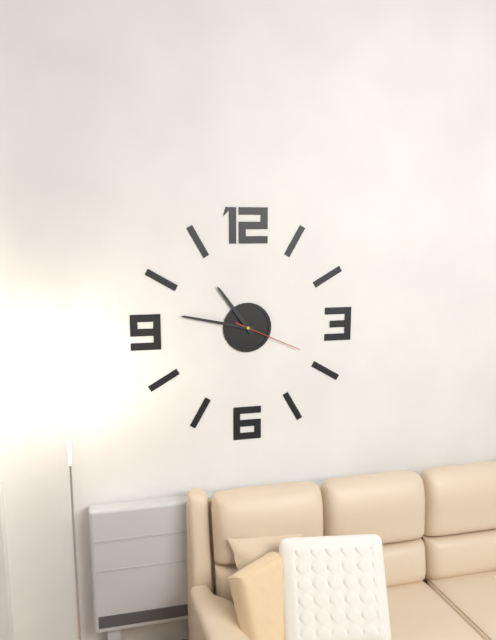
h=10 m=47 s=19
